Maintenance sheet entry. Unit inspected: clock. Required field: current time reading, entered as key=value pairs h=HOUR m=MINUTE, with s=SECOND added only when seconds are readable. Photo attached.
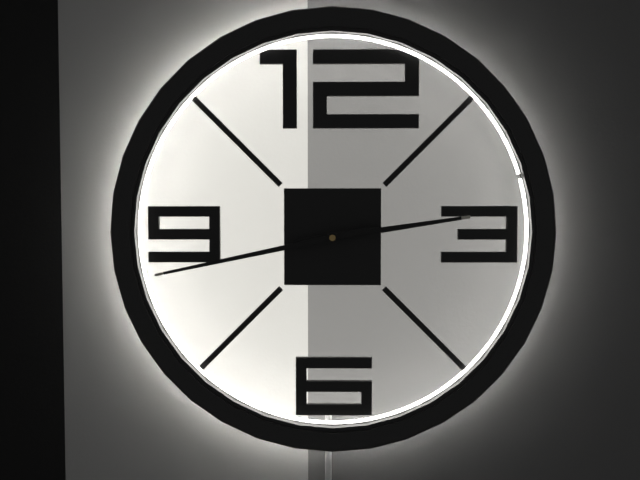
h=2 m=43
